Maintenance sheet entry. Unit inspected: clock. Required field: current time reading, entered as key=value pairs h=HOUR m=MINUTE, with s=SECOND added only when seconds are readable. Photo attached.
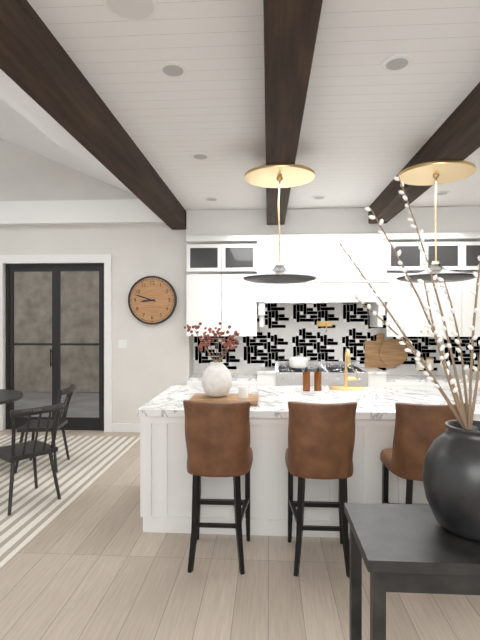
h=8 m=48
